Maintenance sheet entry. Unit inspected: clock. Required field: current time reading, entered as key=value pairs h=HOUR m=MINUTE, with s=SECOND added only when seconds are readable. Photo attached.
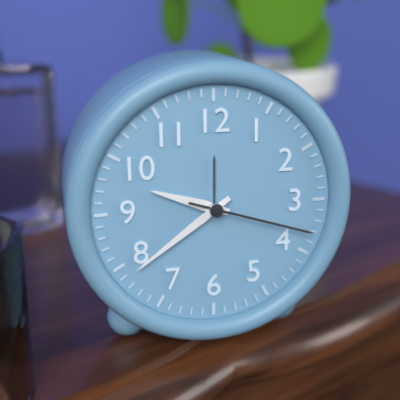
h=9 m=39 s=18
